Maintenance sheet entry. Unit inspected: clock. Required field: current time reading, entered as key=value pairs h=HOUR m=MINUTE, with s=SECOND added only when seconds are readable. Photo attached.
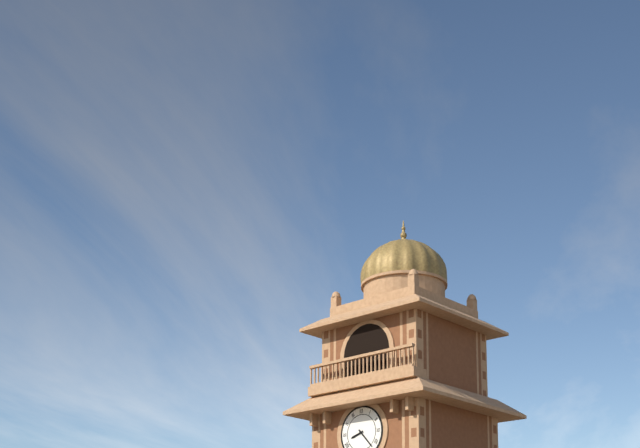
h=8 m=23
